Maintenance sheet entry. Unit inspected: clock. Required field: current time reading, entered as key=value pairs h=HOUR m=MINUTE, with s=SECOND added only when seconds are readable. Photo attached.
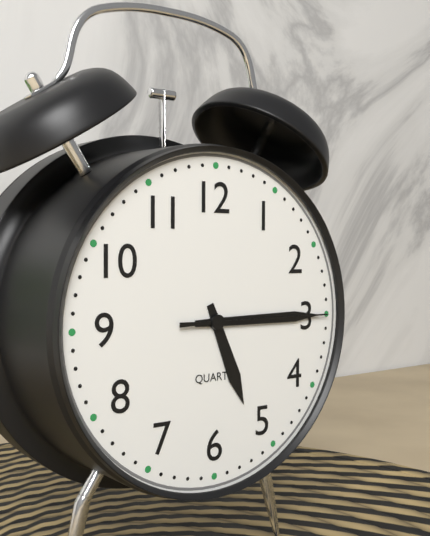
h=5 m=15 s=15
